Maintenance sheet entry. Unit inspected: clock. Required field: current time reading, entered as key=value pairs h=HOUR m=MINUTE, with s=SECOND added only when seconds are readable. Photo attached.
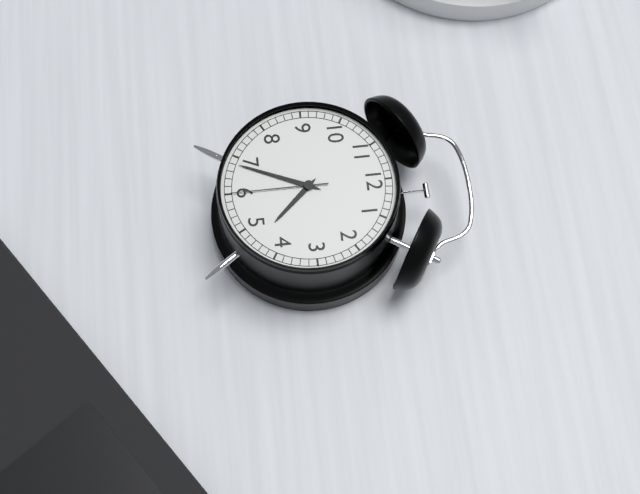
h=4 m=34 s=30
